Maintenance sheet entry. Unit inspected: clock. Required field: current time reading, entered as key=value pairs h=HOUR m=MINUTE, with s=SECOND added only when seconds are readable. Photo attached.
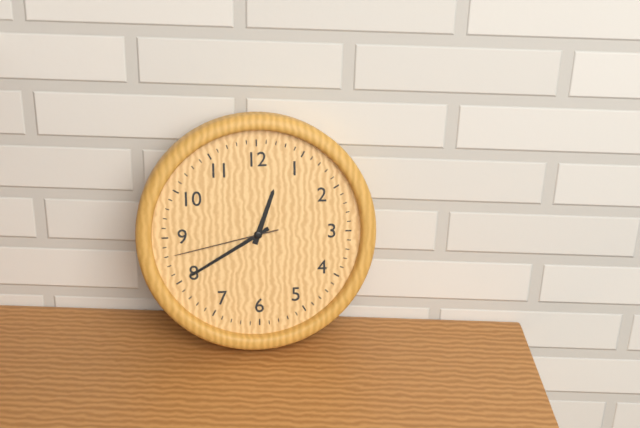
h=12 m=40 s=43
